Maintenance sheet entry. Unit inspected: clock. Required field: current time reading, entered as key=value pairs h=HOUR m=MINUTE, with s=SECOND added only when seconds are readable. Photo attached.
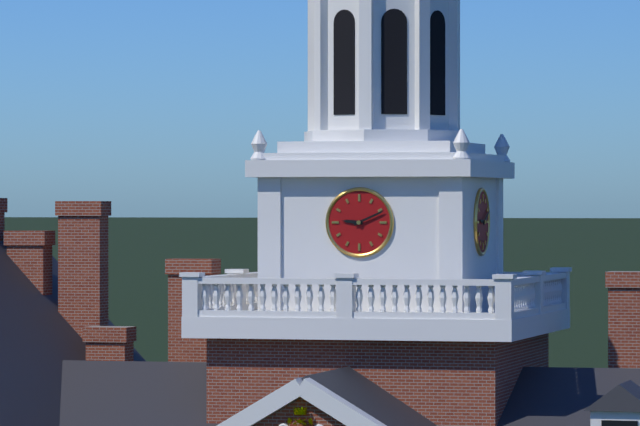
h=9 m=11
